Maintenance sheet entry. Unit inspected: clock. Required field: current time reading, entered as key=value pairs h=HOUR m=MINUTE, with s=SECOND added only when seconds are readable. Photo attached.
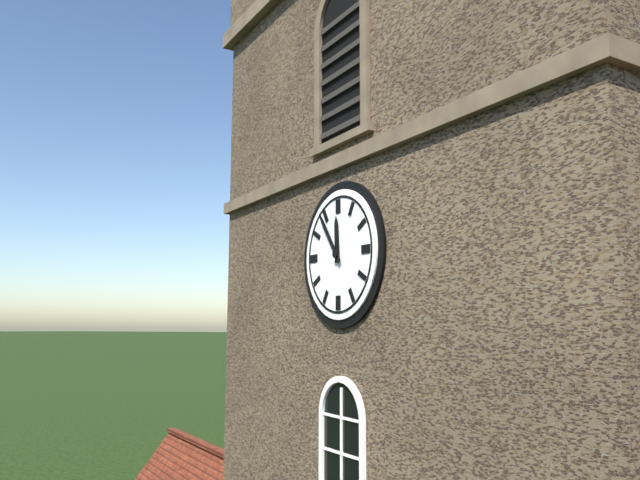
h=11 m=54
